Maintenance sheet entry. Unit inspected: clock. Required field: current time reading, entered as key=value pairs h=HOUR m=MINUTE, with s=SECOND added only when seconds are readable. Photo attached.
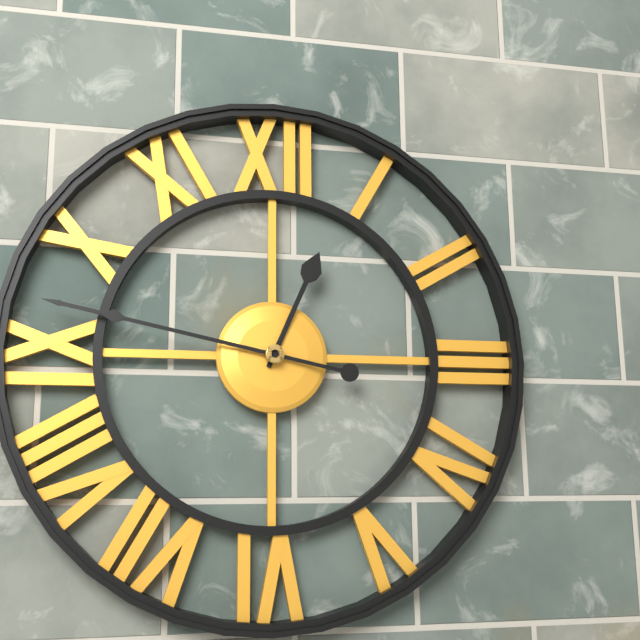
h=12 m=47
